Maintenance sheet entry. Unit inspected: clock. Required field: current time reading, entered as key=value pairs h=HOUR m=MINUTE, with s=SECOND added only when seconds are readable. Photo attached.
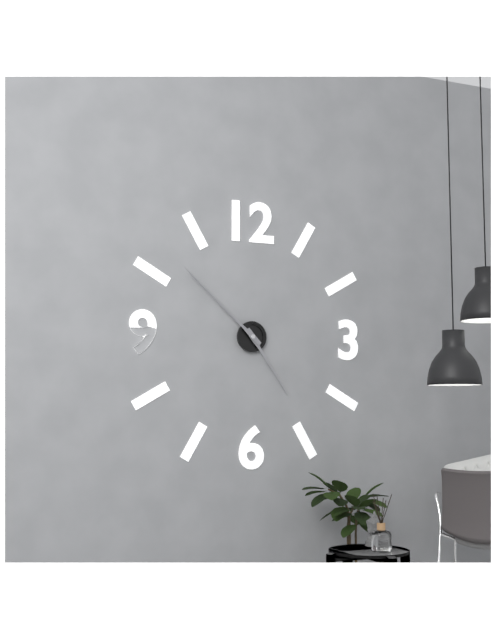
h=4 m=52
